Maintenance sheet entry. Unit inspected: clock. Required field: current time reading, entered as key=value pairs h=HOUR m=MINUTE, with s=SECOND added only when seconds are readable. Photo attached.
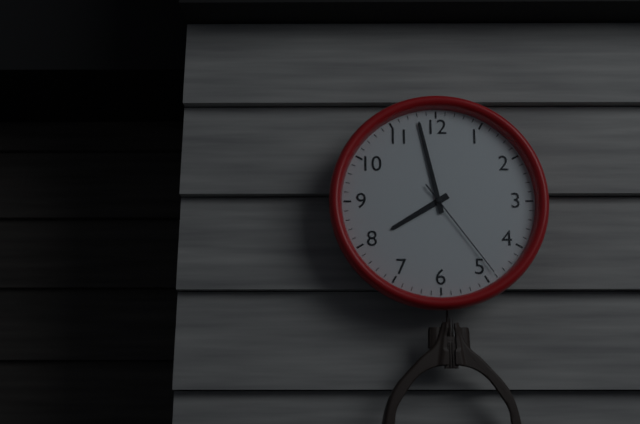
h=7 m=58 s=24
